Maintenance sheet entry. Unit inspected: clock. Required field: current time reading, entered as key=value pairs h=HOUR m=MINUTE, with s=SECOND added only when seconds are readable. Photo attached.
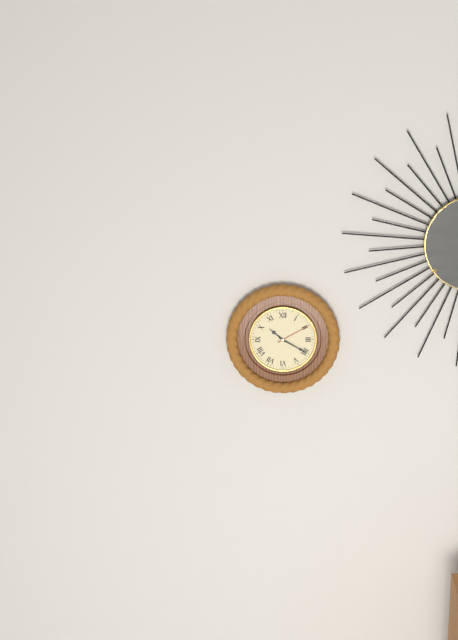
h=10 m=20
